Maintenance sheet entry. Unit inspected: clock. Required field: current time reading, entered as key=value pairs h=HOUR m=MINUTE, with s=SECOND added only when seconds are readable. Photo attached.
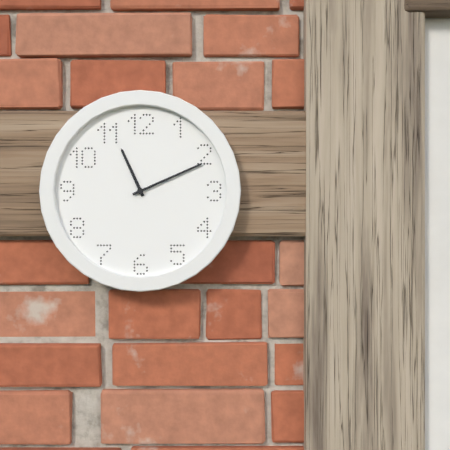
h=11 m=11
